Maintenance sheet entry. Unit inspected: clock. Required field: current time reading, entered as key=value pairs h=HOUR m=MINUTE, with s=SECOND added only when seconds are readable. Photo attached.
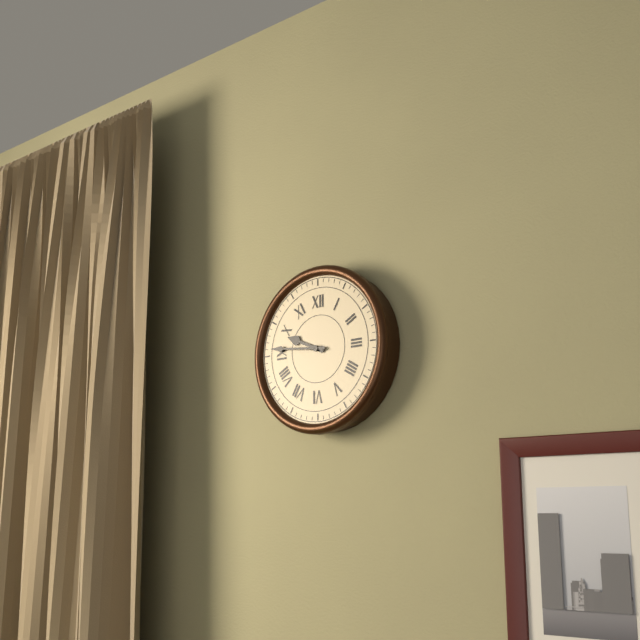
h=9 m=46
